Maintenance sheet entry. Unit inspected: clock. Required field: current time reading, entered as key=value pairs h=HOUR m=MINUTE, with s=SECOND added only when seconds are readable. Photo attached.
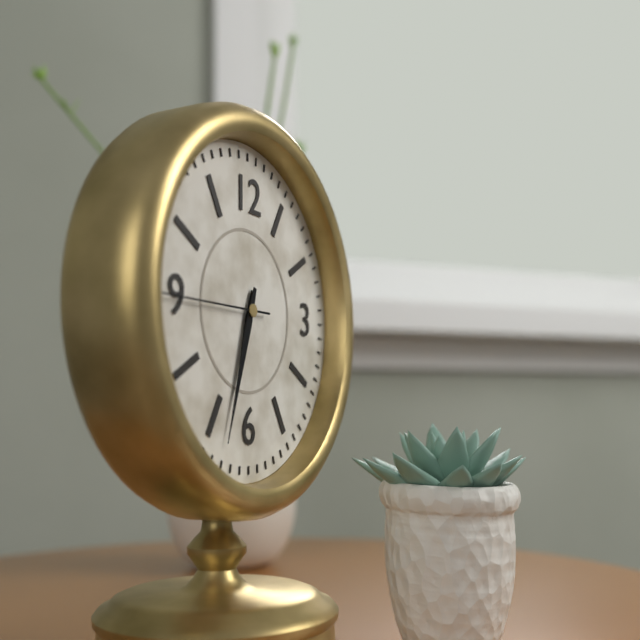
h=6 m=33 s=45
